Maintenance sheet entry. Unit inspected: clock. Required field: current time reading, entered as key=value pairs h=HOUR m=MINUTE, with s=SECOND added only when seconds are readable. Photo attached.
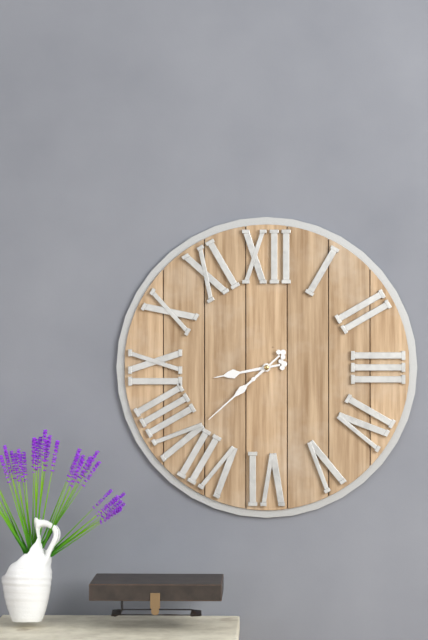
h=8 m=38
